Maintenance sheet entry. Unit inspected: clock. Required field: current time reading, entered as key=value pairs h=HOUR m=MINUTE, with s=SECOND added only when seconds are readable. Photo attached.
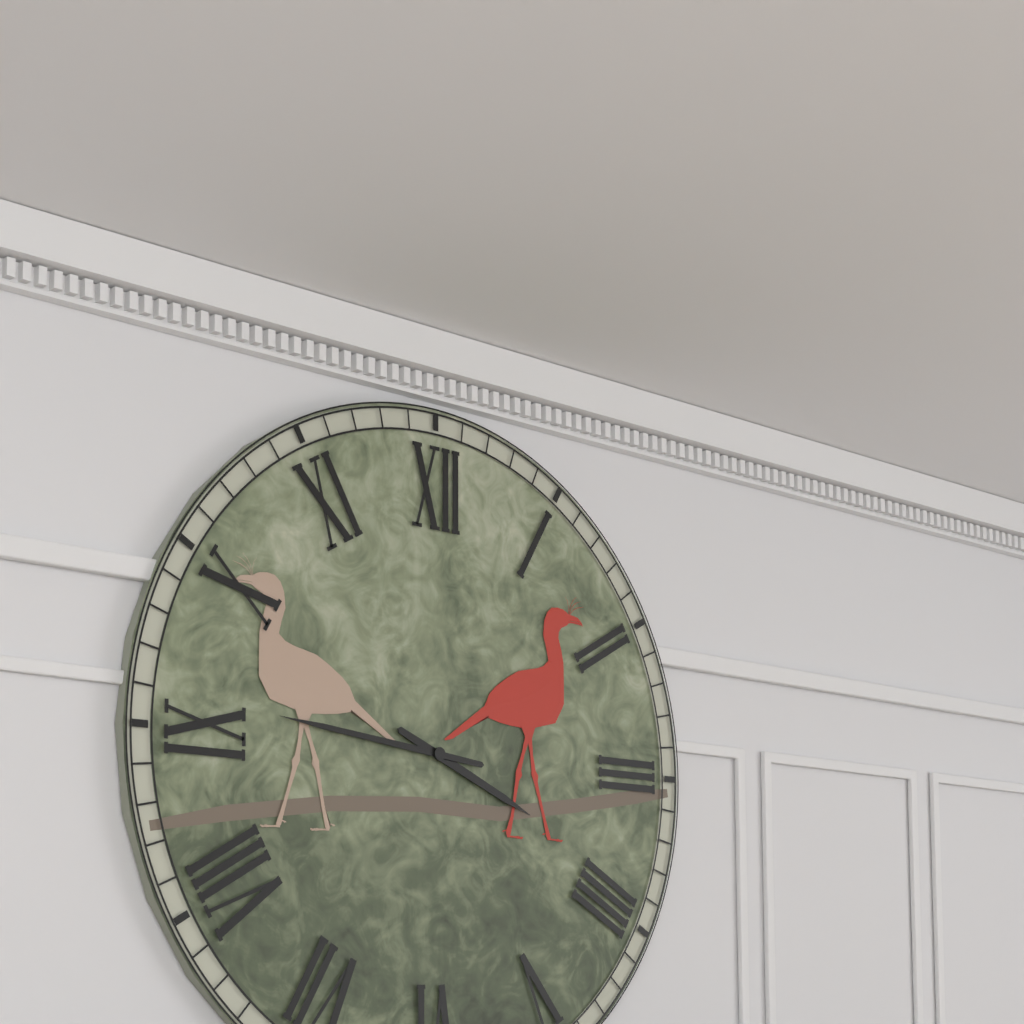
h=3 m=46
